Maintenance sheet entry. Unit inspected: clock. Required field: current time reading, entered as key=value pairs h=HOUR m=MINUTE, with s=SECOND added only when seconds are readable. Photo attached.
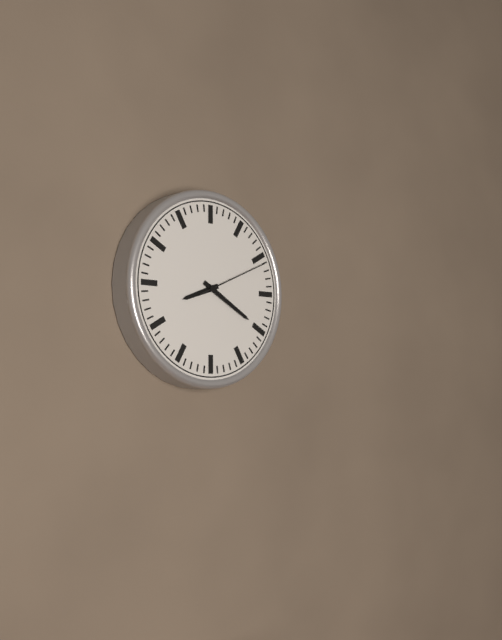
h=8 m=20 s=11
